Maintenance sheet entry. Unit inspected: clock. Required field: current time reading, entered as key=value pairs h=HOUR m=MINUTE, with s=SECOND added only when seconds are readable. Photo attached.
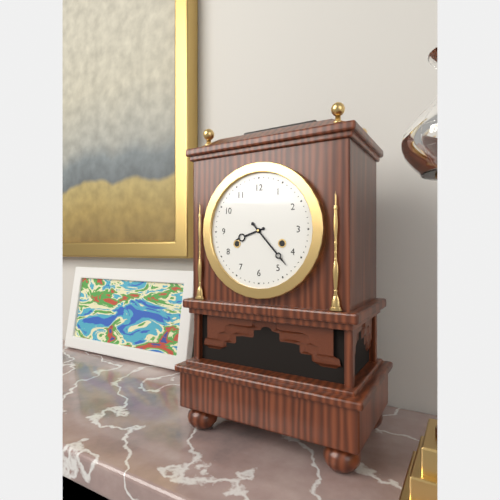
h=8 m=23
